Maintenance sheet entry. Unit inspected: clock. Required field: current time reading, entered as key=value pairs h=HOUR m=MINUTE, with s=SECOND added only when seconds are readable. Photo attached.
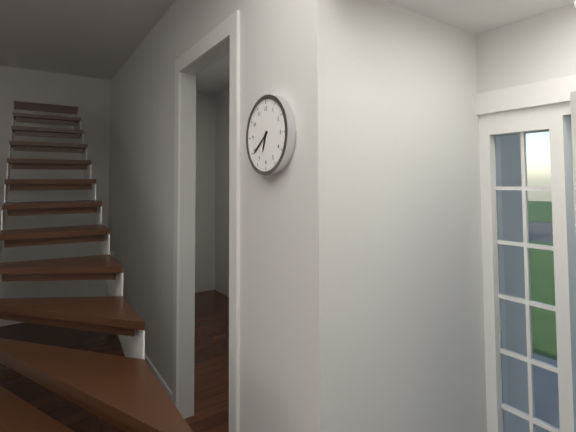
h=6 m=39
